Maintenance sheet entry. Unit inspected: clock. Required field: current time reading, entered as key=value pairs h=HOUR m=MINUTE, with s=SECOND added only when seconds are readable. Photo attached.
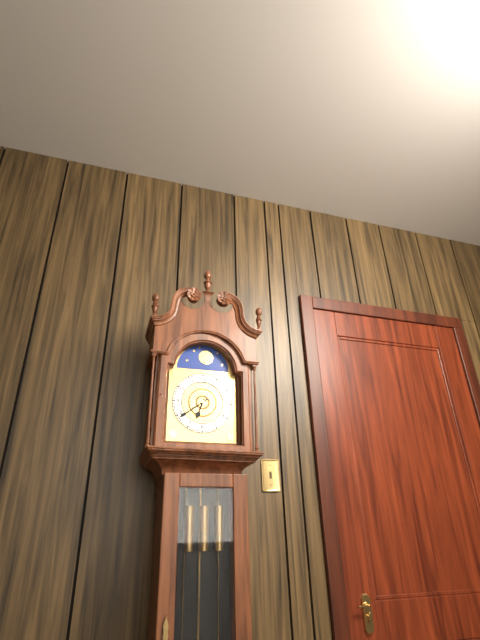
h=6 m=39
